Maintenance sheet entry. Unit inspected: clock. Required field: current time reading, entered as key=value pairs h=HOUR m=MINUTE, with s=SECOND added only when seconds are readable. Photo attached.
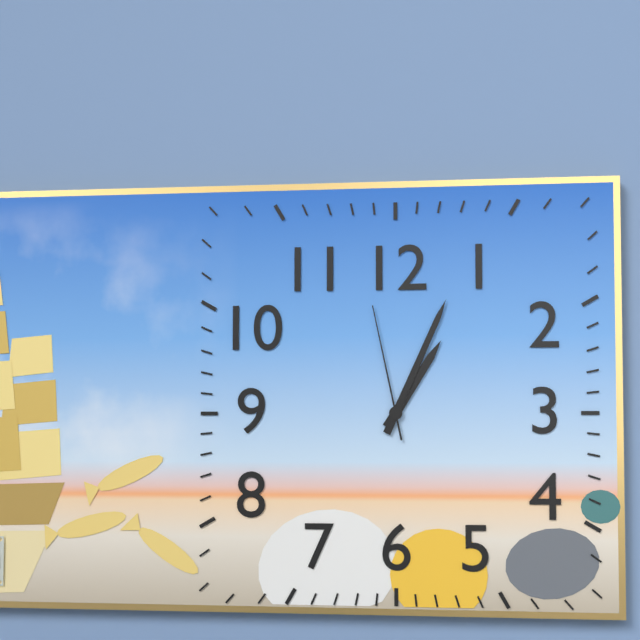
h=1 m=4 s=58
